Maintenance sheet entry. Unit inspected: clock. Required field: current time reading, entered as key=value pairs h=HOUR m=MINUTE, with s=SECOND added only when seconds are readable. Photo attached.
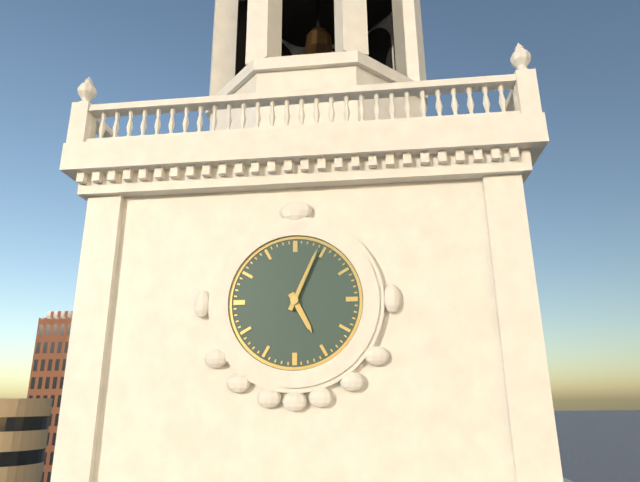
h=5 m=4
